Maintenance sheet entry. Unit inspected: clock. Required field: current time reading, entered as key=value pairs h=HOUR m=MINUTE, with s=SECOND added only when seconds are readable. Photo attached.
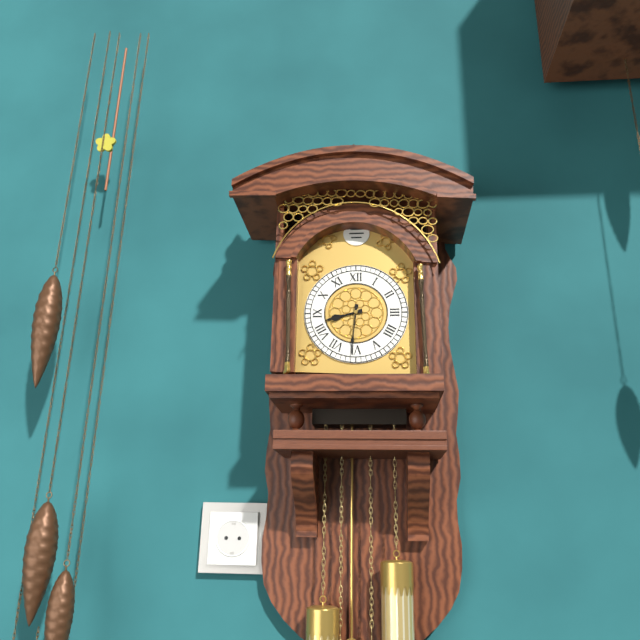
h=8 m=31
